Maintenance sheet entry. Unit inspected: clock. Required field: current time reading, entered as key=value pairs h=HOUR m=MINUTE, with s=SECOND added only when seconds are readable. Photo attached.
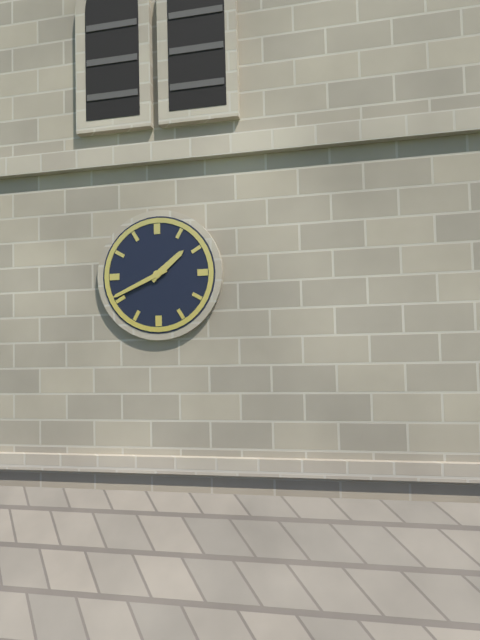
h=1 m=41
